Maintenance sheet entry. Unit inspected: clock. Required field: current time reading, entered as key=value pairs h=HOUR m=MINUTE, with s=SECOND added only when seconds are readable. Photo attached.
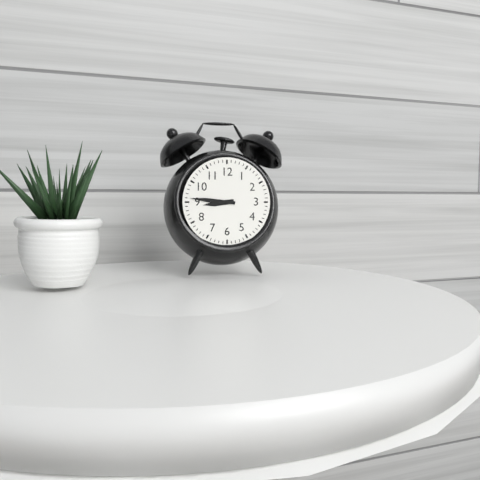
h=8 m=46
